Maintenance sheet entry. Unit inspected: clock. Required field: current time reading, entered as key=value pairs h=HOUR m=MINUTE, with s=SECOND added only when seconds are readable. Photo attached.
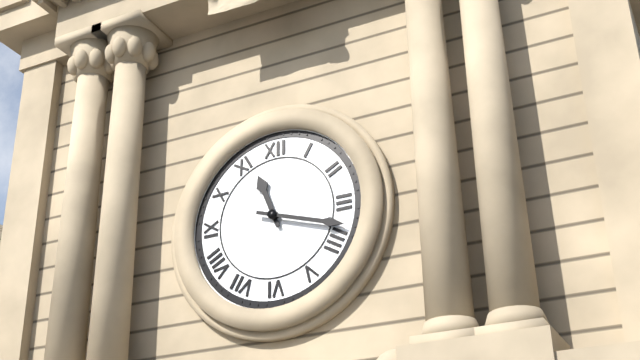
h=11 m=18
